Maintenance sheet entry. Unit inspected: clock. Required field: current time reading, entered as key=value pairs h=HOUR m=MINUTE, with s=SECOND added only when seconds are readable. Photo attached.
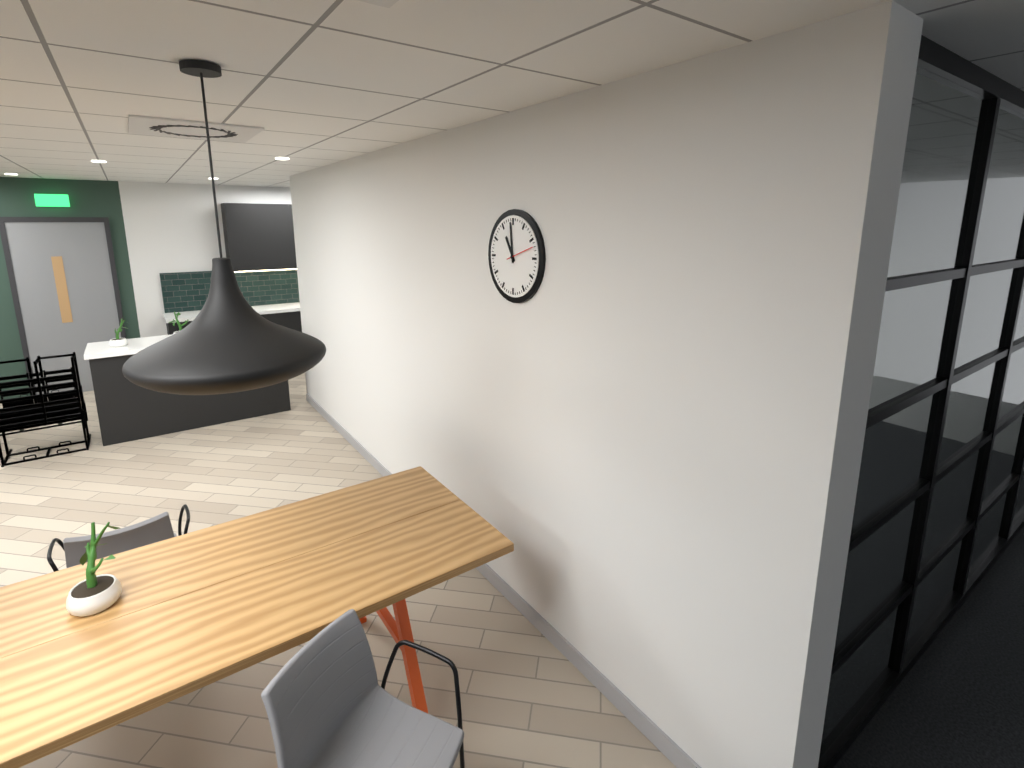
h=10 m=59
